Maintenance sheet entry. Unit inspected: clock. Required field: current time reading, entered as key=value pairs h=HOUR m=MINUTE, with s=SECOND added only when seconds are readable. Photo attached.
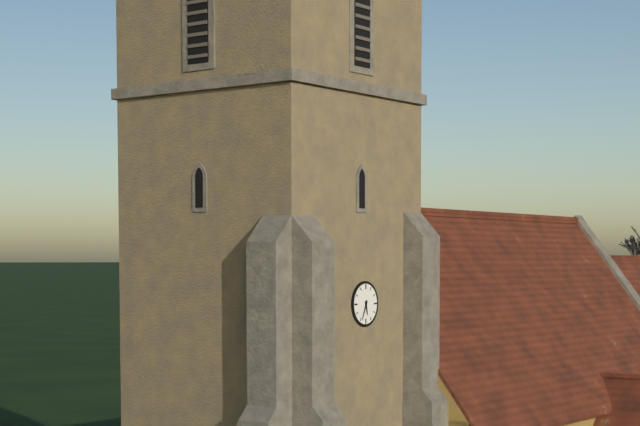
h=5 m=34
